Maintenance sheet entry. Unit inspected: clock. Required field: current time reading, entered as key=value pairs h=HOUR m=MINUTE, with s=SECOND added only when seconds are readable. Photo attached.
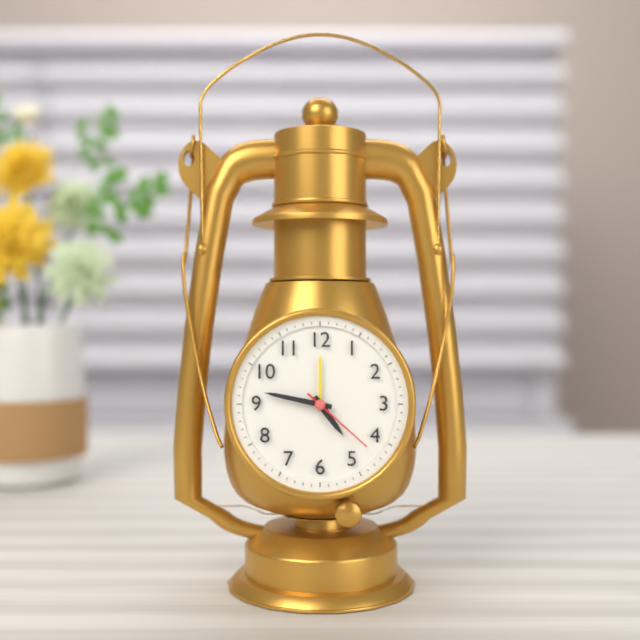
h=4 m=47 s=22
